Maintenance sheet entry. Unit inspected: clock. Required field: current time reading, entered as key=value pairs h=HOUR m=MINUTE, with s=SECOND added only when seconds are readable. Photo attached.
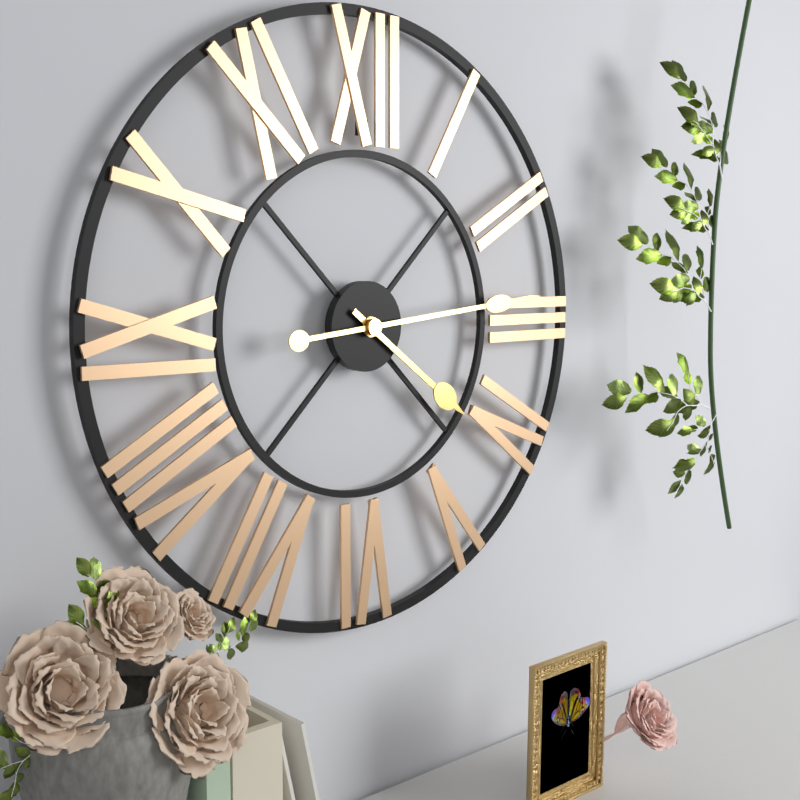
h=4 m=14
